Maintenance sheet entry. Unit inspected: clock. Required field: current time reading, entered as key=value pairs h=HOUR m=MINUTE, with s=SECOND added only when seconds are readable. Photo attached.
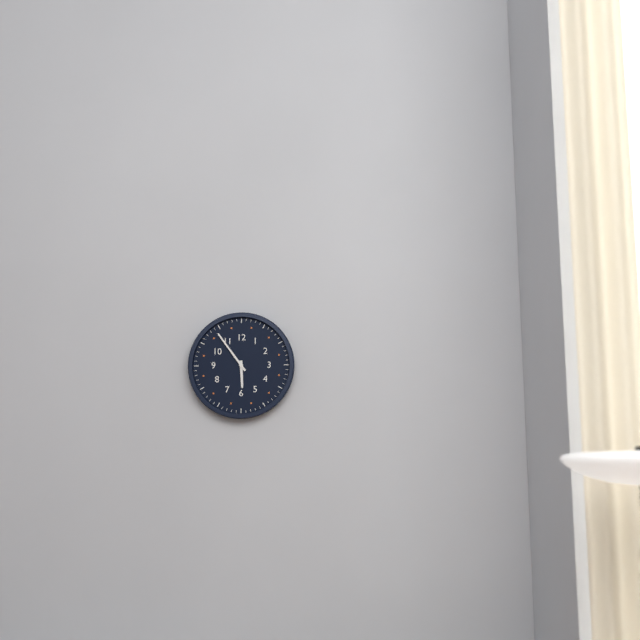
h=5 m=54
